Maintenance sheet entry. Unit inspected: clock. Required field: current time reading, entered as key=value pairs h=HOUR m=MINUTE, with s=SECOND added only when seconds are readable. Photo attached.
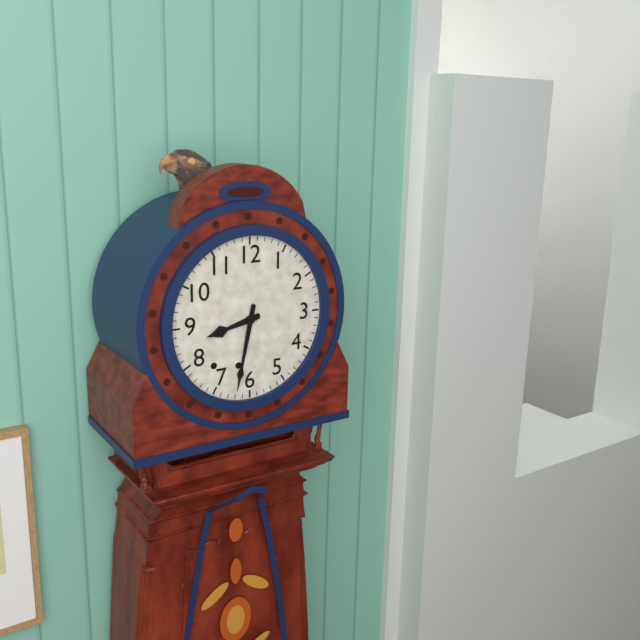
h=8 m=32
